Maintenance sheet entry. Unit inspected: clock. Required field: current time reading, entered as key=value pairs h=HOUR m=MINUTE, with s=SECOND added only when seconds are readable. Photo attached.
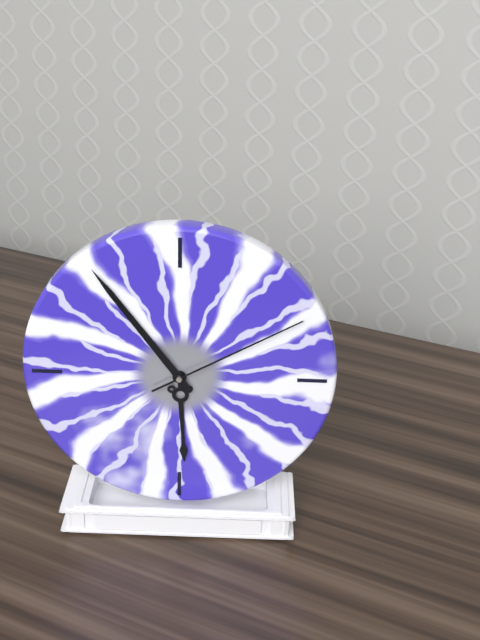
h=5 m=54 s=10
